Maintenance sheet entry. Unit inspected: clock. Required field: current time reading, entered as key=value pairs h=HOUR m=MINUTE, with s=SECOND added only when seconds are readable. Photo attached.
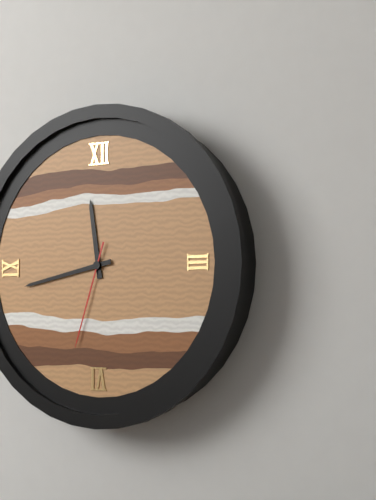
h=11 m=43 s=33
